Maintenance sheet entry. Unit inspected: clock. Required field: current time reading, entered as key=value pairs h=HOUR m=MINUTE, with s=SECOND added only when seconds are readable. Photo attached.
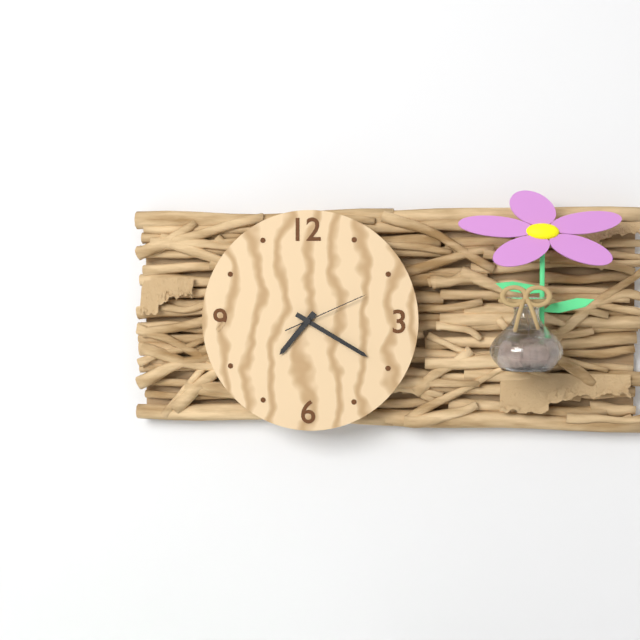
h=7 m=20 s=11
